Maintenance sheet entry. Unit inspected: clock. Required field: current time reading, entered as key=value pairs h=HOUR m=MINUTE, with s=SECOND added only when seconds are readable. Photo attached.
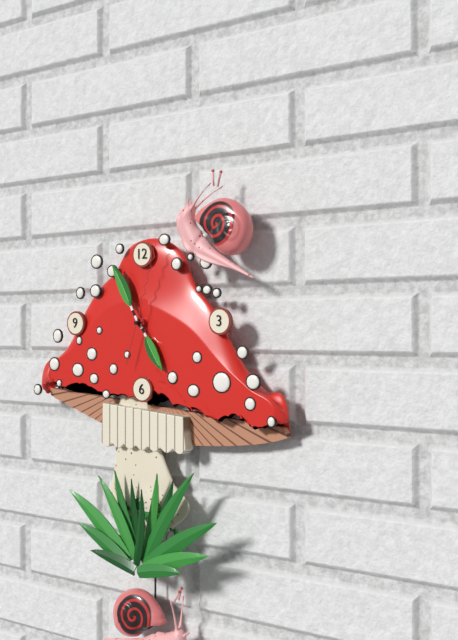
h=4 m=55 s=3
